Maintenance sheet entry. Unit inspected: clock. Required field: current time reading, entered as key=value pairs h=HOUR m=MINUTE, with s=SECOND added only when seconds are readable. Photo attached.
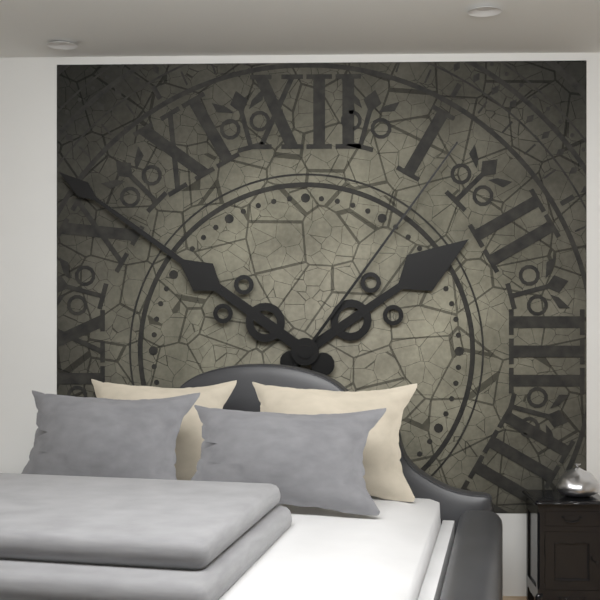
h=1 m=51 s=6
